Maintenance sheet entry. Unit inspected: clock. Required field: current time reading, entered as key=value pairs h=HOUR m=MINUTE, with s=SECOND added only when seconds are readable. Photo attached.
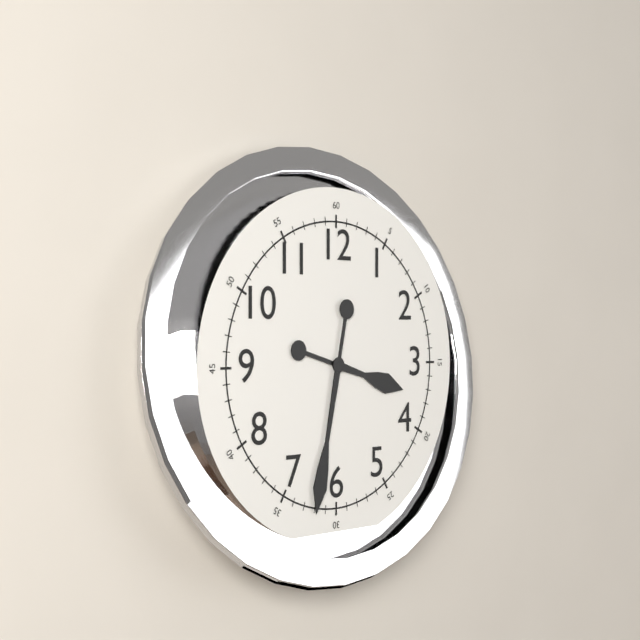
h=3 m=32
